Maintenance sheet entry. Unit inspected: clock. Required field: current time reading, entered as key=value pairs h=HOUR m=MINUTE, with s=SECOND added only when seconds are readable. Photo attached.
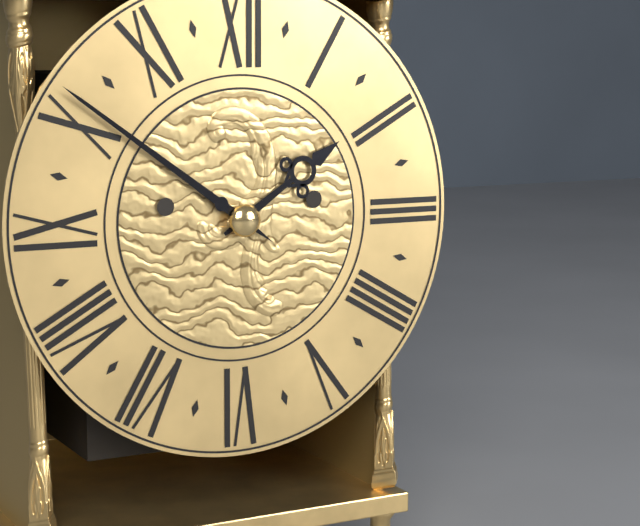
h=1 m=51
